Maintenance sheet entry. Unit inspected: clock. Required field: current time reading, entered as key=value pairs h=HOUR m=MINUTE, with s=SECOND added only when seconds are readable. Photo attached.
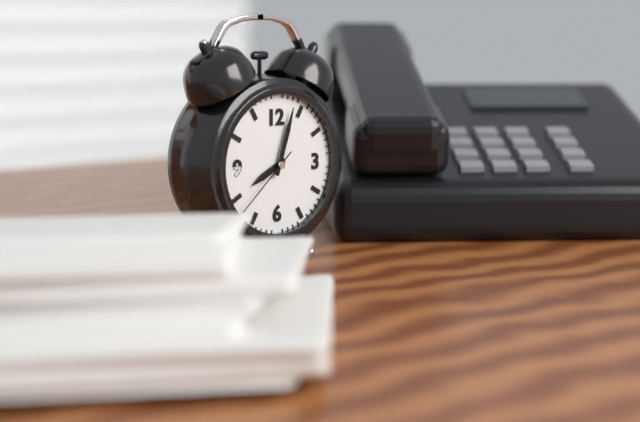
h=8 m=3 s=38
